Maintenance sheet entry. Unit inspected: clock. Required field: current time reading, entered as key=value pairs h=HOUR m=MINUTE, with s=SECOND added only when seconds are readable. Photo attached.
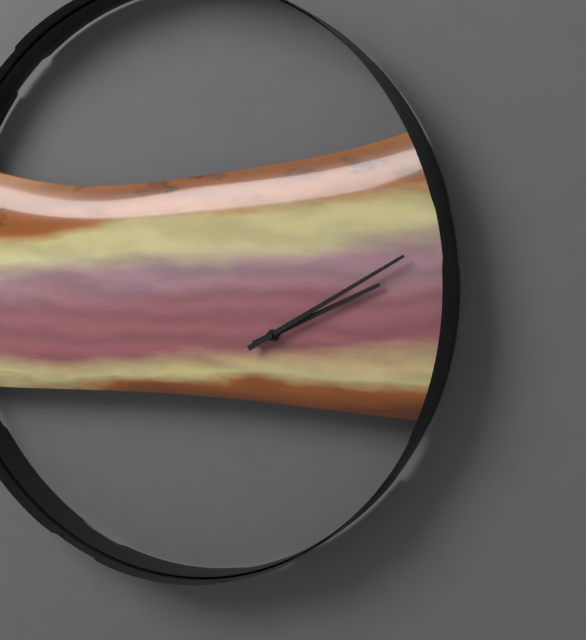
h=2 m=10
